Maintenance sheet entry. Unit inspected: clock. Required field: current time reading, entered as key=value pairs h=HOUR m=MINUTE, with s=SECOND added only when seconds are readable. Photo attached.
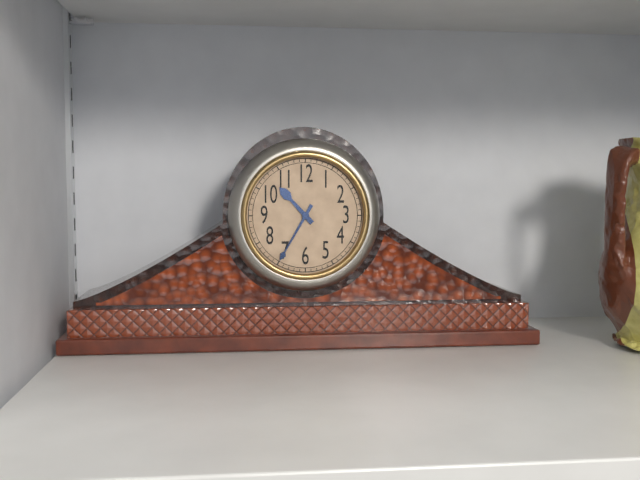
h=10 m=35
